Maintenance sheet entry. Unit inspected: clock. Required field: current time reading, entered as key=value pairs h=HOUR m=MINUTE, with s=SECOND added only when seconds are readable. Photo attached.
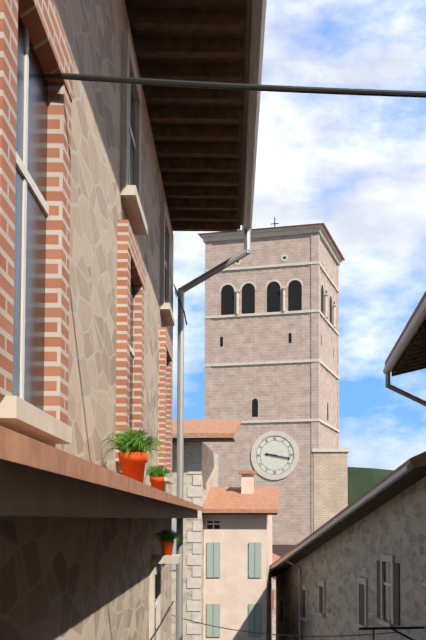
h=9 m=17
